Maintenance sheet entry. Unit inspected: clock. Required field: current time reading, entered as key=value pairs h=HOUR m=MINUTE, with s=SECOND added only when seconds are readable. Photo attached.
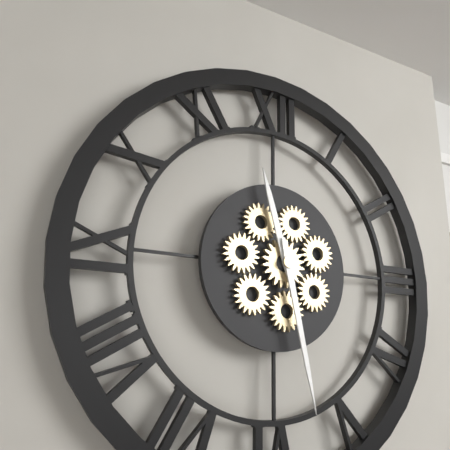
h=11 m=28
